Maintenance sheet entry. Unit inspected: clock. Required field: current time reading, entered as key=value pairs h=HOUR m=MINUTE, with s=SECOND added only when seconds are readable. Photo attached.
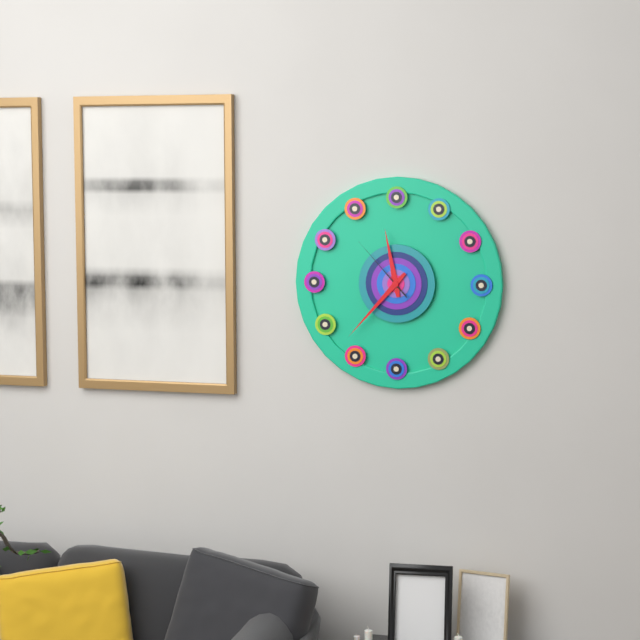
h=11 m=37 s=53
